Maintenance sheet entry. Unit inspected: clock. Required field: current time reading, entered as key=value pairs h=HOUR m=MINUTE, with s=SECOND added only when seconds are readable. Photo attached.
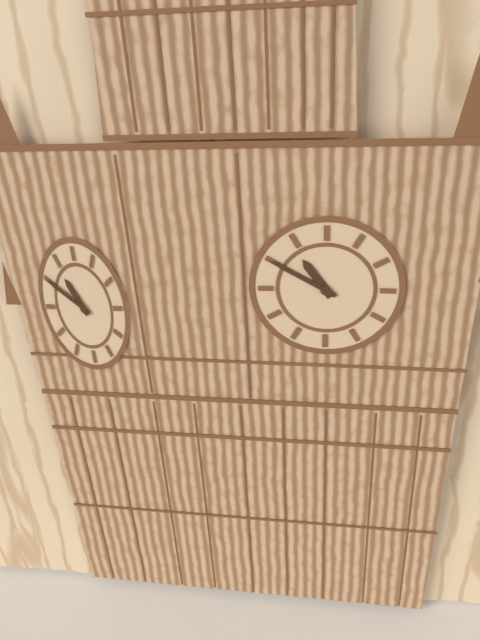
h=10 m=50
